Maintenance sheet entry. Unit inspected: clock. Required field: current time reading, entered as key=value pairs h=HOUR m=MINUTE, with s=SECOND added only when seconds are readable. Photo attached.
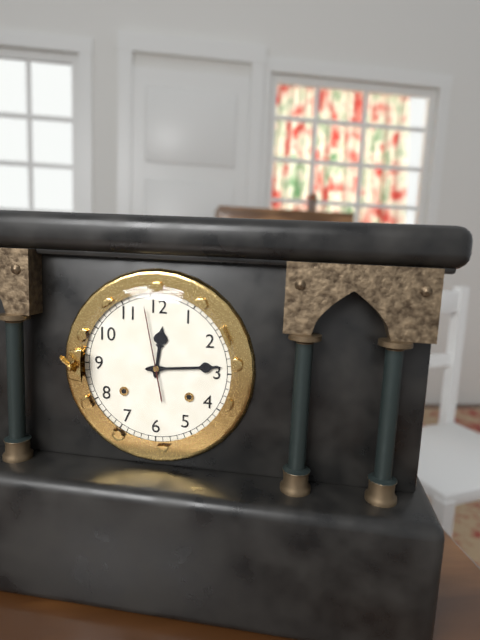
h=12 m=14 s=58
